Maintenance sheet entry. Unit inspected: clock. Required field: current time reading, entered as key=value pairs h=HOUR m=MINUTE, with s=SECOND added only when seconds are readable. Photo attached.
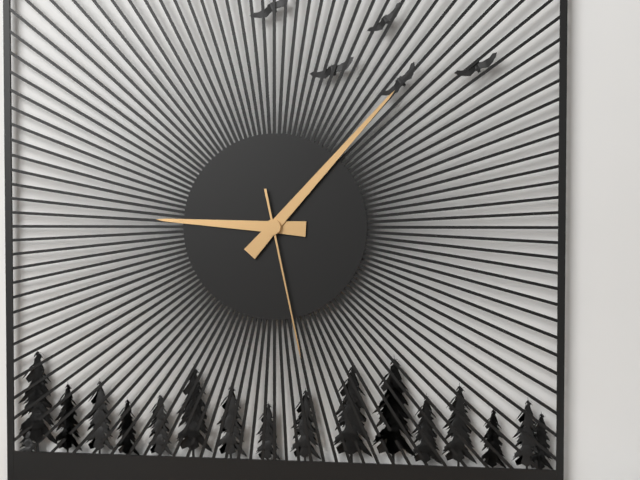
h=9 m=7 s=28
